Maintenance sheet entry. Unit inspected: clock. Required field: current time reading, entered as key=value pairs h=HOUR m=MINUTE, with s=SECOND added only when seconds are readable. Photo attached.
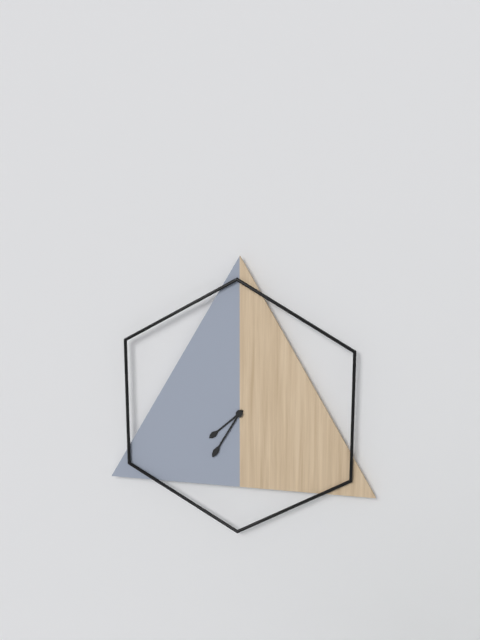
h=7 m=35
